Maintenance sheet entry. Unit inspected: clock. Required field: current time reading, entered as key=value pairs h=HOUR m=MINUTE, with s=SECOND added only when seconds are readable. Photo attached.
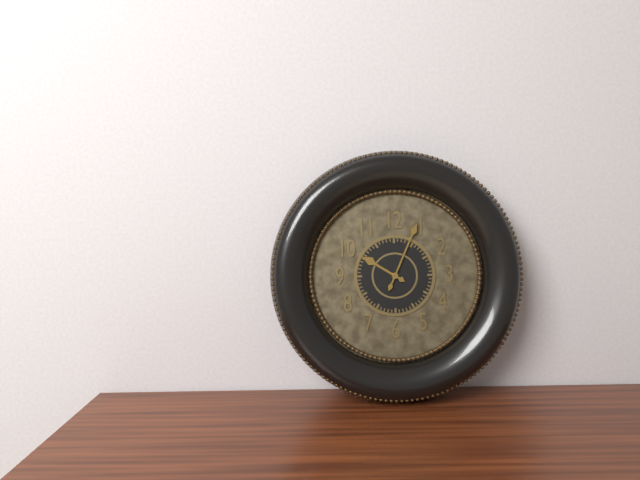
h=10 m=4
